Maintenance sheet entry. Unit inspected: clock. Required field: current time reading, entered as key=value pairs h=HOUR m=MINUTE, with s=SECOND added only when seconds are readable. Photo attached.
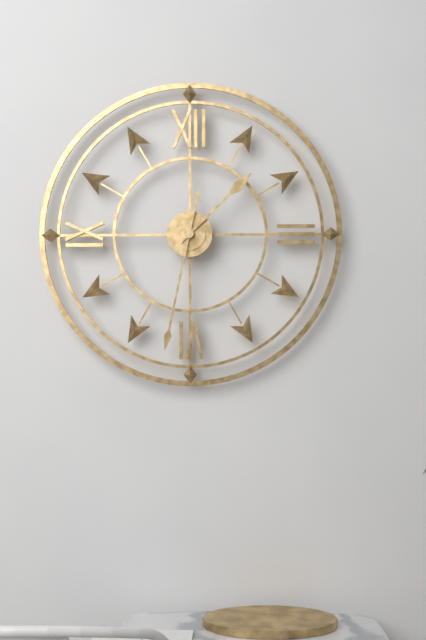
h=1 m=32
